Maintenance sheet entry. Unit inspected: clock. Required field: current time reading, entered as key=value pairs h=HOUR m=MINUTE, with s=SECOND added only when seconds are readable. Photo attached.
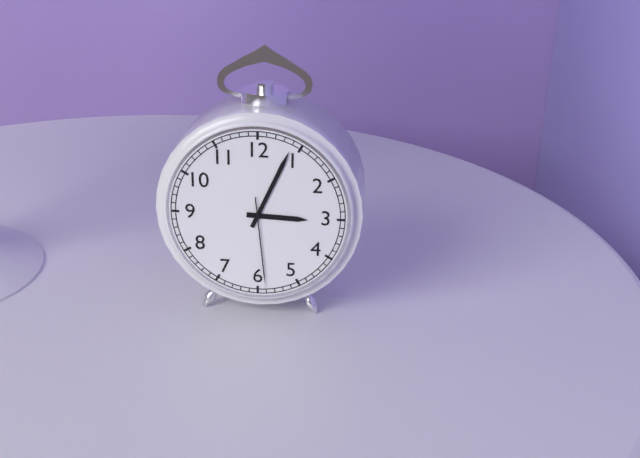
h=3 m=4 s=29
